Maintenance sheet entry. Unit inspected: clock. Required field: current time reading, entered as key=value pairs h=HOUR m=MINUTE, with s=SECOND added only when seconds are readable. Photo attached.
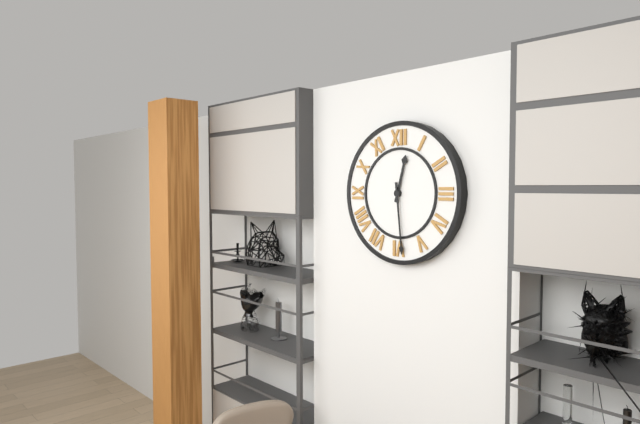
h=12 m=29
